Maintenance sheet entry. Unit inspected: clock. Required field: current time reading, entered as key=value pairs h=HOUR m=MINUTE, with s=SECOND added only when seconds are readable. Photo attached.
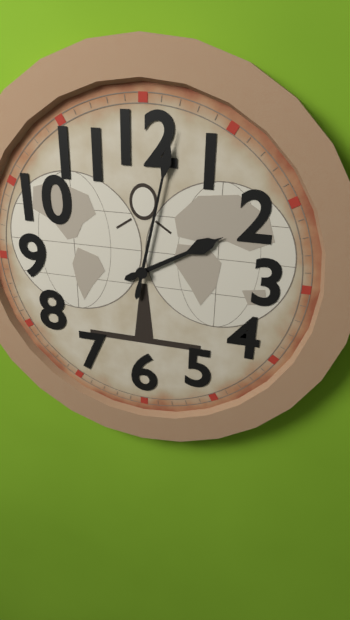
h=2 m=2
